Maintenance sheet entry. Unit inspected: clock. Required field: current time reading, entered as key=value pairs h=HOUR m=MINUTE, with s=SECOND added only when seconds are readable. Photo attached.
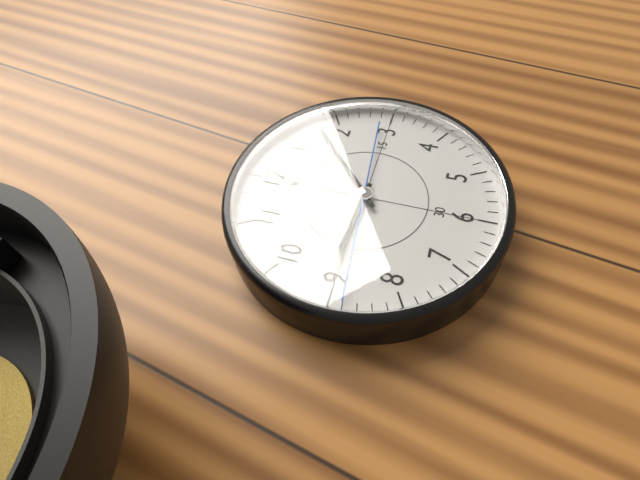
h=9 m=8 s=44
